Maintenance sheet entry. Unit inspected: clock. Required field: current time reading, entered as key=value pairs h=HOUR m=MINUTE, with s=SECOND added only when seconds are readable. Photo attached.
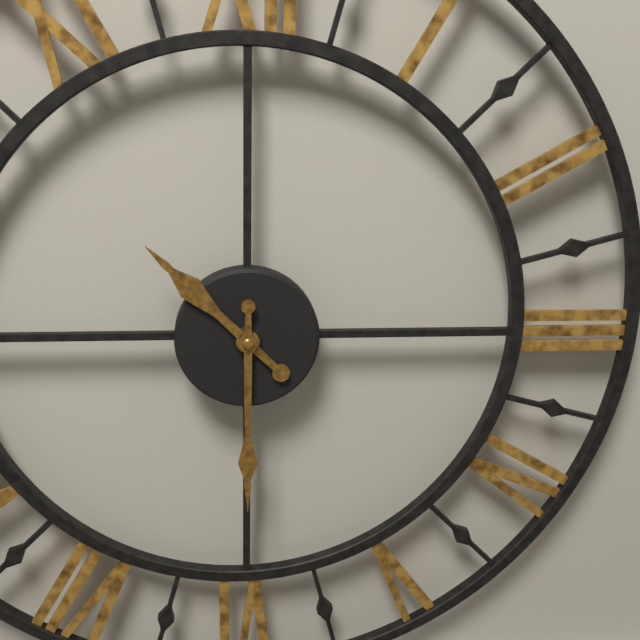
h=10 m=30
